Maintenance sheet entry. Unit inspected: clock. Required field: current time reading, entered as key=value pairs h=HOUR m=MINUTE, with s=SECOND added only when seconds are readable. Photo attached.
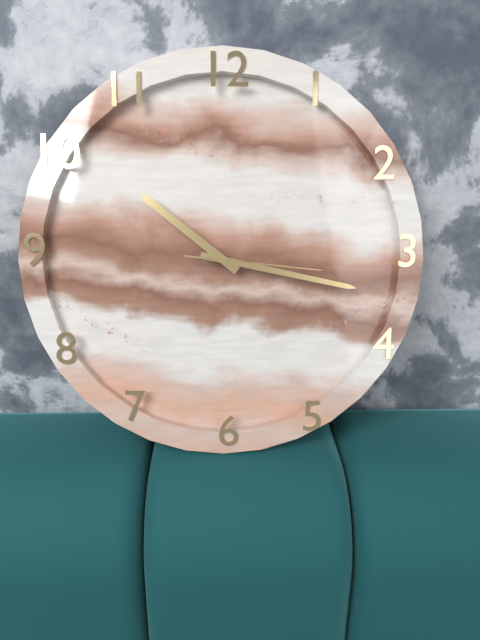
h=10 m=17 s=16
